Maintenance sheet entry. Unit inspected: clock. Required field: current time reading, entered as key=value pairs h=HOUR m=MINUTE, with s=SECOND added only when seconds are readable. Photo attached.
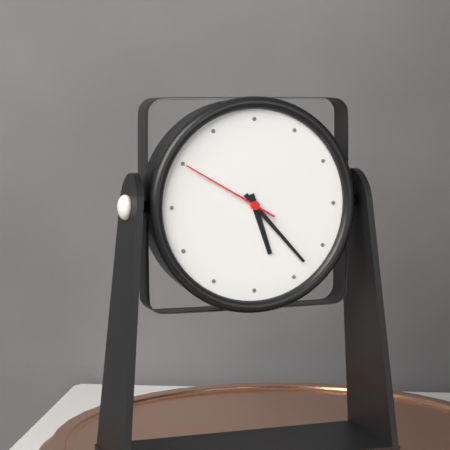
h=5 m=23 s=50
